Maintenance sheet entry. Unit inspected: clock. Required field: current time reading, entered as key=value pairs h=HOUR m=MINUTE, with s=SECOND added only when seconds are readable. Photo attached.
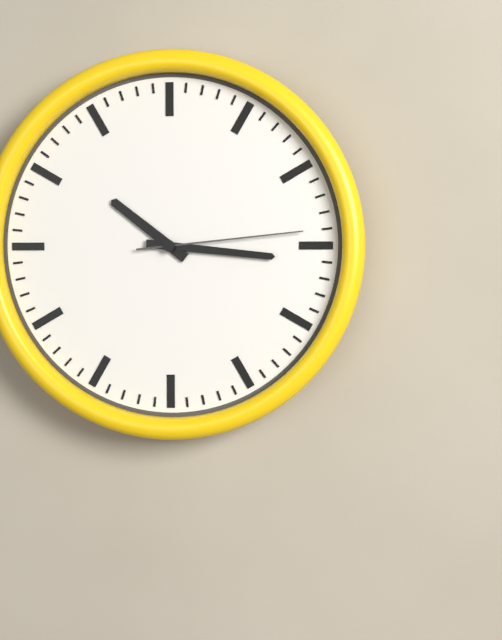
h=10 m=16 s=14
